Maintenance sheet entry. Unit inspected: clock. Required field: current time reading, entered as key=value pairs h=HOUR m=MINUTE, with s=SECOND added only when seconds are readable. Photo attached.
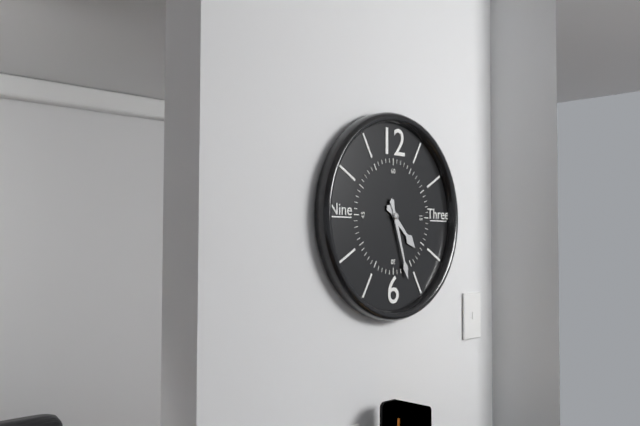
h=4 m=27
